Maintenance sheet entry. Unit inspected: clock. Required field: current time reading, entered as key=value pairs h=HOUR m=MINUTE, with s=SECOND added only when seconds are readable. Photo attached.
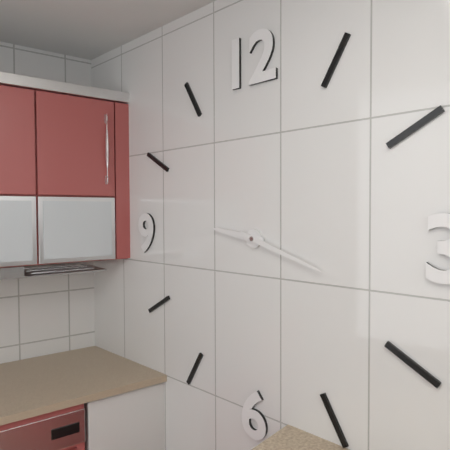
h=9 m=18
